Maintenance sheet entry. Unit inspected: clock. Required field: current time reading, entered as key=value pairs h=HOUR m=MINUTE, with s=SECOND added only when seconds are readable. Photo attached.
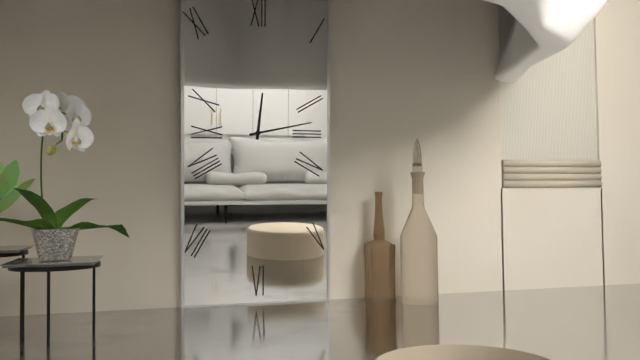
h=12 m=13
